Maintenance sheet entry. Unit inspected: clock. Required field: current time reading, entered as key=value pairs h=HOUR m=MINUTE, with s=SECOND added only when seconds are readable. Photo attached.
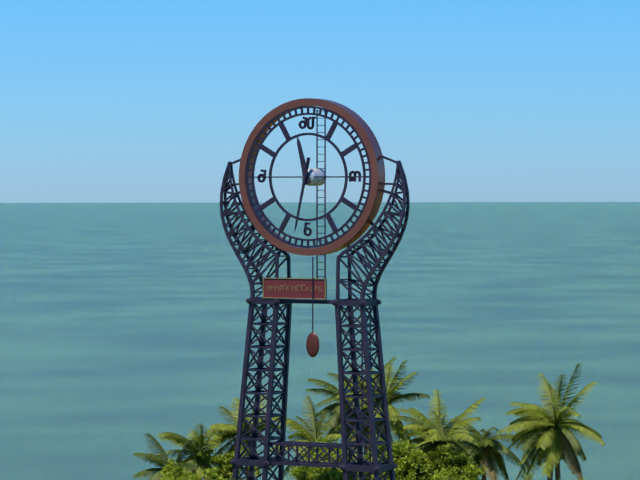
h=11 m=32
